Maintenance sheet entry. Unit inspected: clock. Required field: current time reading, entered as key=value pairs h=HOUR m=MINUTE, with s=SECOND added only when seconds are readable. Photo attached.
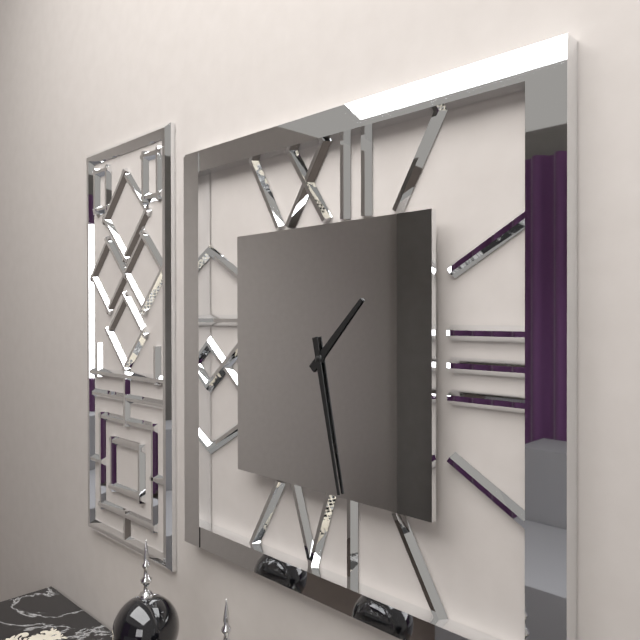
h=1 m=28
